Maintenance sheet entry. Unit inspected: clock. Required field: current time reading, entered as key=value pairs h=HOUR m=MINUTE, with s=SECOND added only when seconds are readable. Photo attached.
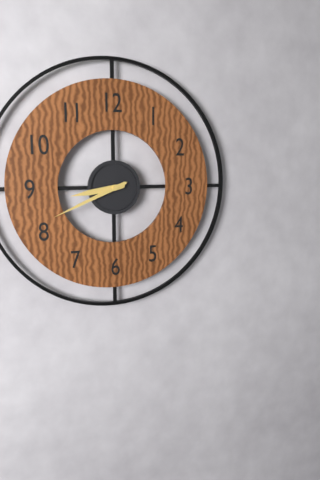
h=8 m=41
